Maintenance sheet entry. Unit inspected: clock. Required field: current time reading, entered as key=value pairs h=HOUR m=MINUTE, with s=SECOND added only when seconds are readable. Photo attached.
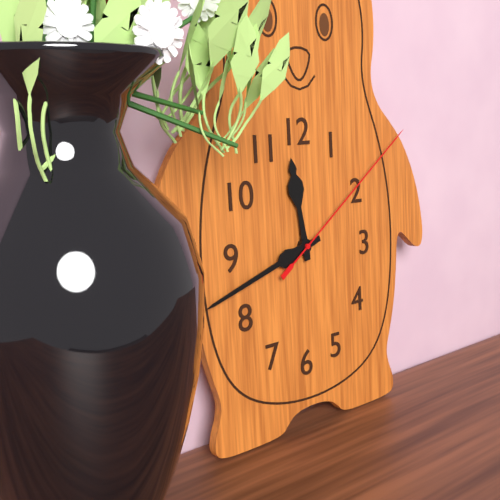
h=11 m=42 s=9
